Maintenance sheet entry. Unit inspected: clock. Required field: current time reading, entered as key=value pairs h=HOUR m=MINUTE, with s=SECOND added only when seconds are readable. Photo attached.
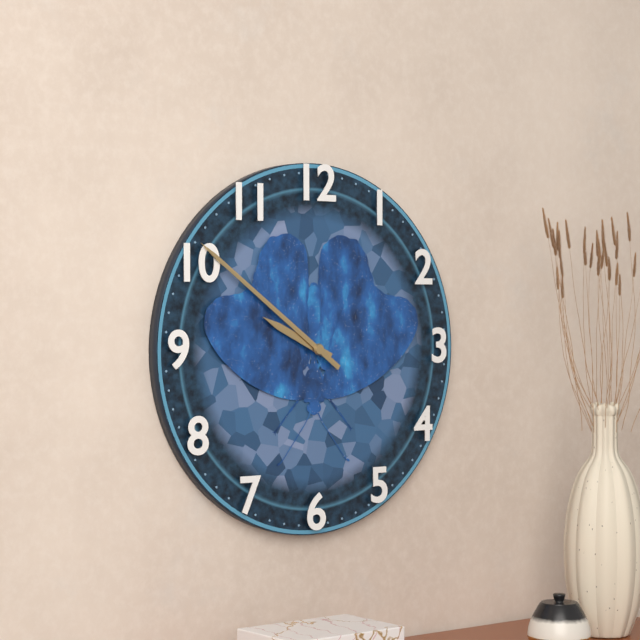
h=9 m=51
